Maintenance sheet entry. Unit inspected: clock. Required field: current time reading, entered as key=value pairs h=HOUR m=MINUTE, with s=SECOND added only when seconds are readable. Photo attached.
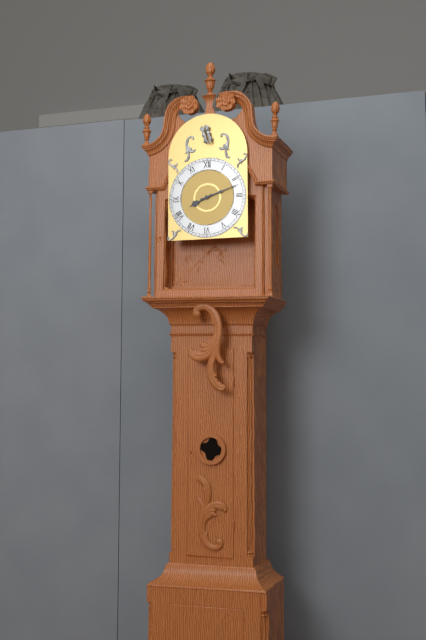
h=8 m=12
